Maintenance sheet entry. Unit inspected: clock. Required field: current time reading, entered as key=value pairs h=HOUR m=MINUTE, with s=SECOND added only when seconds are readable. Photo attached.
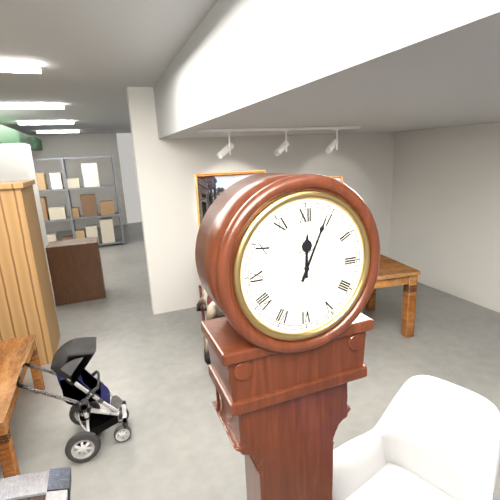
h=12 m=4
